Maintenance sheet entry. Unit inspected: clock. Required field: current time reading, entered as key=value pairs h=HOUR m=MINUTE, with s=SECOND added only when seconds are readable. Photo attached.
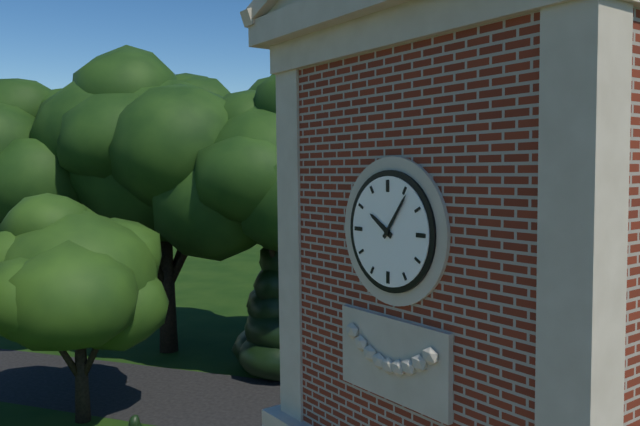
h=10 m=6
